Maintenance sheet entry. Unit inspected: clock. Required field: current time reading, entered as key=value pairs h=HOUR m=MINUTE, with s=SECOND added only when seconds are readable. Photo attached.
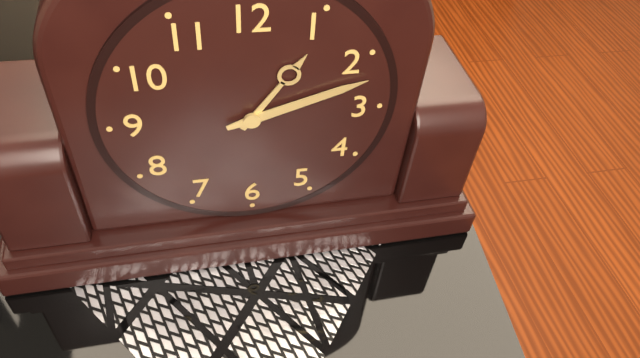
h=1 m=12
